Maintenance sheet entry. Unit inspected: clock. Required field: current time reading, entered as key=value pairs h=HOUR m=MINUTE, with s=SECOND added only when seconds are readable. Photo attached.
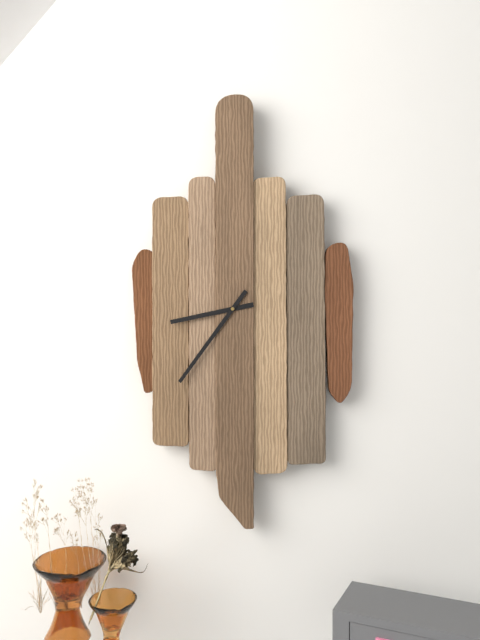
h=8 m=36
